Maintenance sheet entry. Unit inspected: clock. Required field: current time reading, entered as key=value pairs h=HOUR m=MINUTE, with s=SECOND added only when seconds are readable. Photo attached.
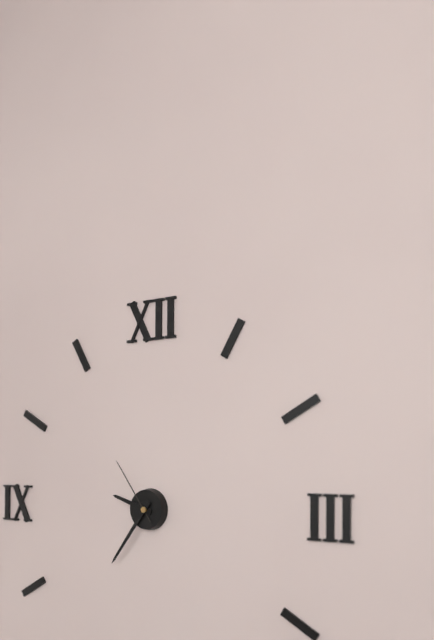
h=9 m=36 s=54
